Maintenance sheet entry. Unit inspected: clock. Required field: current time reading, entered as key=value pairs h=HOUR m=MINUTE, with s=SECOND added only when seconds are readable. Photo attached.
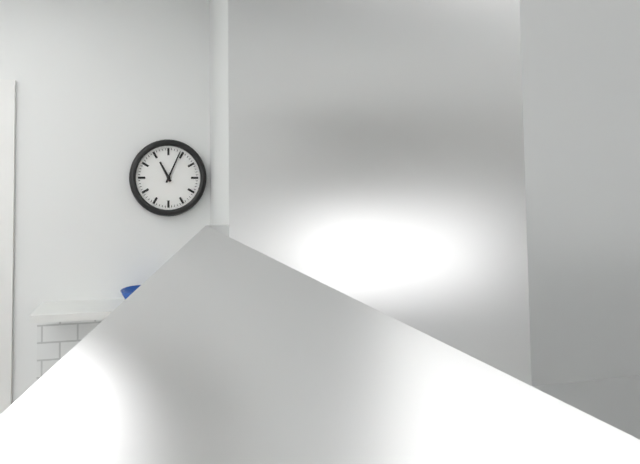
h=11 m=4
